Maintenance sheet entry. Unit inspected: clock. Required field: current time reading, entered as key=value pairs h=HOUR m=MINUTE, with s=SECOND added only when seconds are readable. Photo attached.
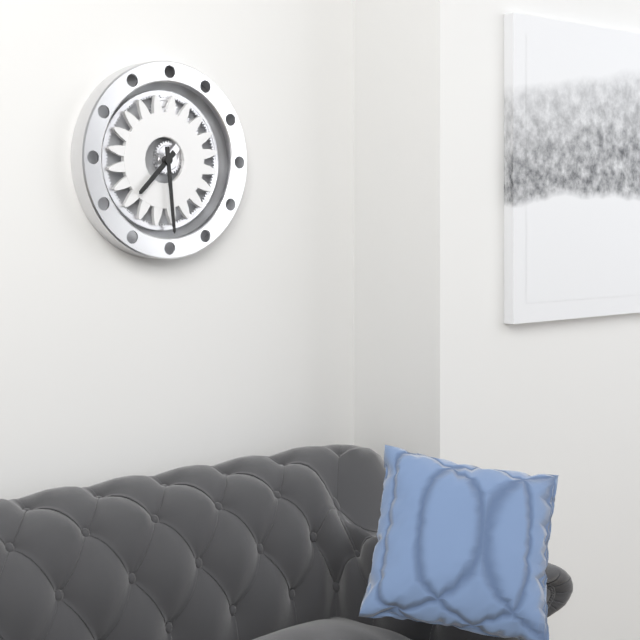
h=7 m=29
